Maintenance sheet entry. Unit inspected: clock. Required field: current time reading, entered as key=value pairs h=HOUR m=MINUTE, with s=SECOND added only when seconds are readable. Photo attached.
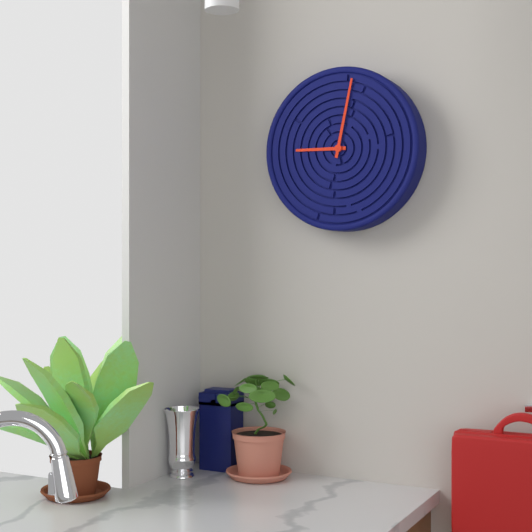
h=9 m=2
